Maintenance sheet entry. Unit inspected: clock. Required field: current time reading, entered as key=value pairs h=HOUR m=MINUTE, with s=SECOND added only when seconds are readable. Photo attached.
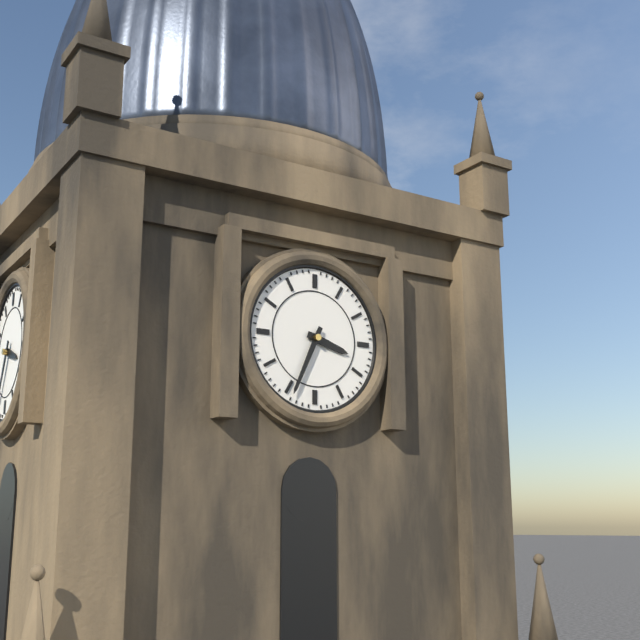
h=3 m=34
